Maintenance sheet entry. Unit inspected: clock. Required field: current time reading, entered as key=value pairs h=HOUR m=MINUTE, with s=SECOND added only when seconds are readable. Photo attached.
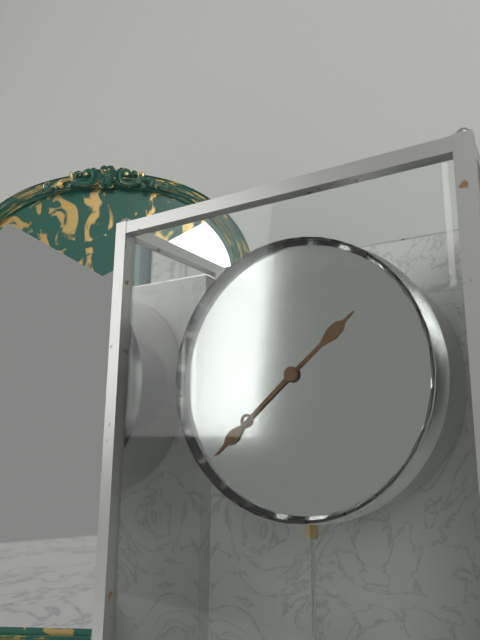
h=1 m=38
